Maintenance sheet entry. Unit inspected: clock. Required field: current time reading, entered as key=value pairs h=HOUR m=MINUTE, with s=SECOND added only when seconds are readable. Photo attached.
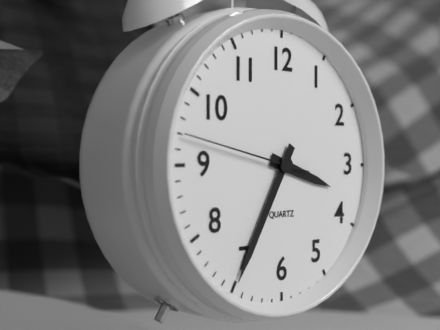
h=3 m=35 s=47
